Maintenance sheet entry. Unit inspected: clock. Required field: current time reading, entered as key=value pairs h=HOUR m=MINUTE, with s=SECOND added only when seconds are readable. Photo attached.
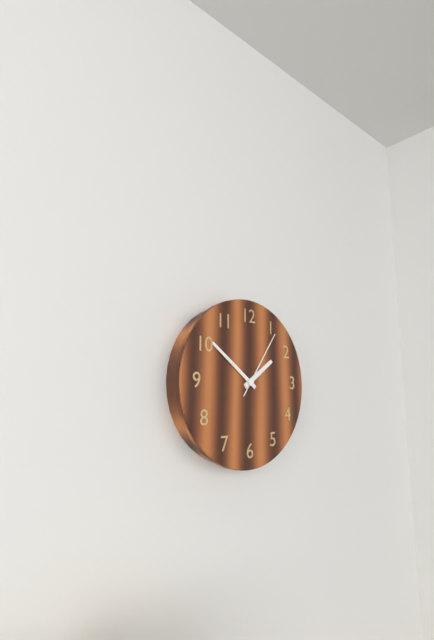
h=1 m=51 s=6
